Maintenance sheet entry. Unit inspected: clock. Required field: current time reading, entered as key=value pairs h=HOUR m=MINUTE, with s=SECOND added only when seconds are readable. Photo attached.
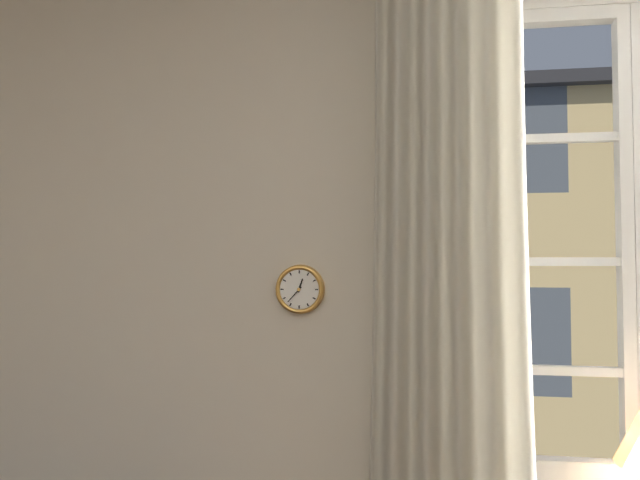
h=12 m=37
